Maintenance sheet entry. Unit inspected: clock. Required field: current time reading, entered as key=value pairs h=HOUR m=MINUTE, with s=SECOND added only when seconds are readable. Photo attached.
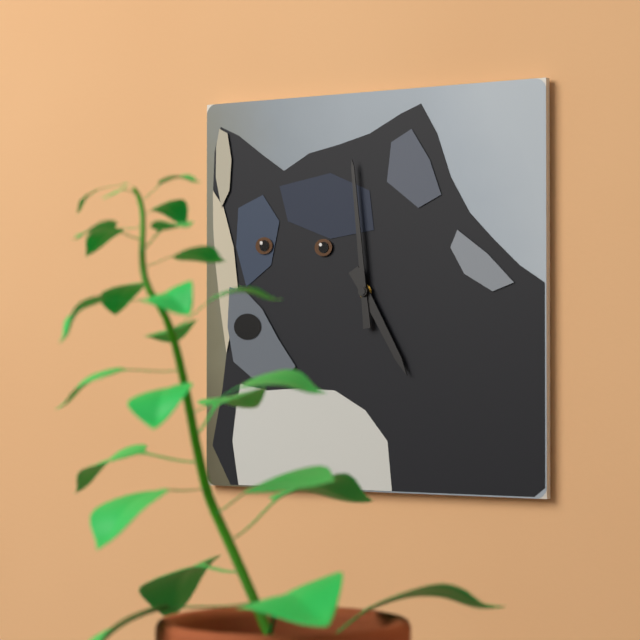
h=4 m=59
